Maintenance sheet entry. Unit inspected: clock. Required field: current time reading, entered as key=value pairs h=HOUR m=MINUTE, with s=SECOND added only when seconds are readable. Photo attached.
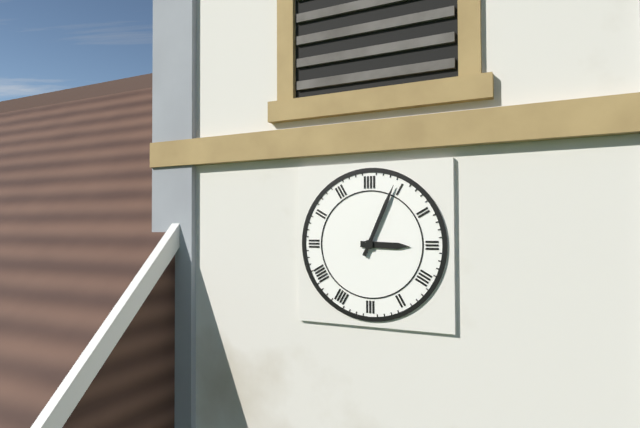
h=3 m=4
